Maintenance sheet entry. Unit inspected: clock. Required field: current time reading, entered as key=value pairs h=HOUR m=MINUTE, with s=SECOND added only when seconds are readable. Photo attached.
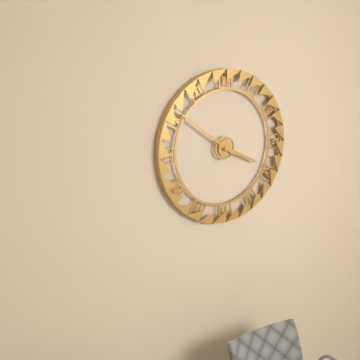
h=3 m=51
